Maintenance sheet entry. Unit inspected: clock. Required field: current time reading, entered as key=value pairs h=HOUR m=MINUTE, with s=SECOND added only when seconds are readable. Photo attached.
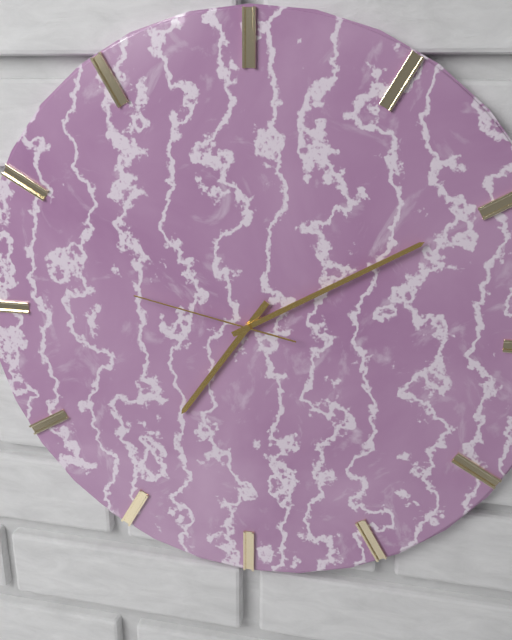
h=7 m=10 s=47
